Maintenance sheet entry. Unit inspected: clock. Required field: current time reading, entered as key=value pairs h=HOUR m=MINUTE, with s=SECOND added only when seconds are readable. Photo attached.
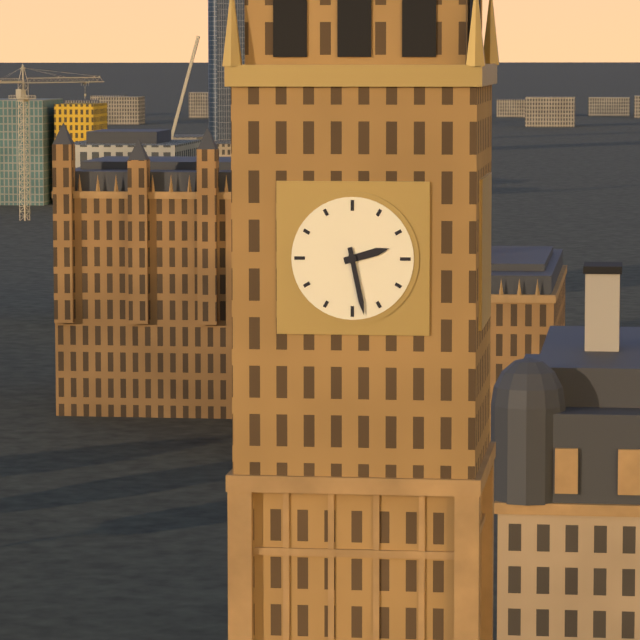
h=2 m=28
